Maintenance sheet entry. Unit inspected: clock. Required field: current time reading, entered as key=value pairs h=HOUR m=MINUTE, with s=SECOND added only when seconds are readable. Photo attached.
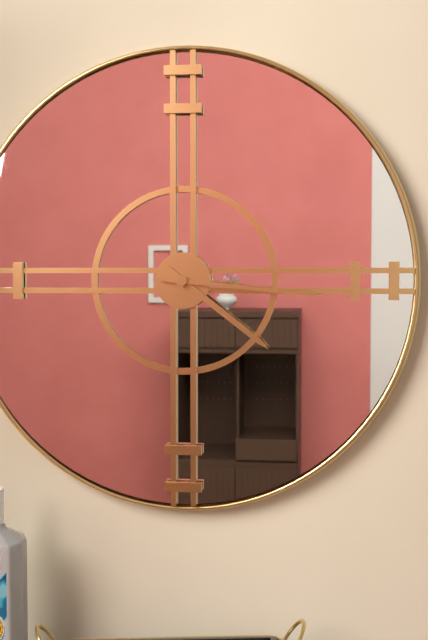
h=4 m=16
